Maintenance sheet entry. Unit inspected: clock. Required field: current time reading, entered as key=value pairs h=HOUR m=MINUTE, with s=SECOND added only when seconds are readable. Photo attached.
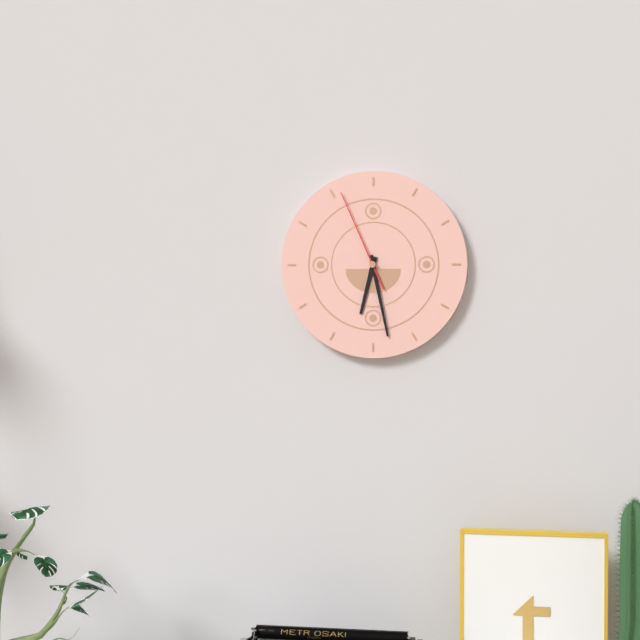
h=6 m=28 s=56
